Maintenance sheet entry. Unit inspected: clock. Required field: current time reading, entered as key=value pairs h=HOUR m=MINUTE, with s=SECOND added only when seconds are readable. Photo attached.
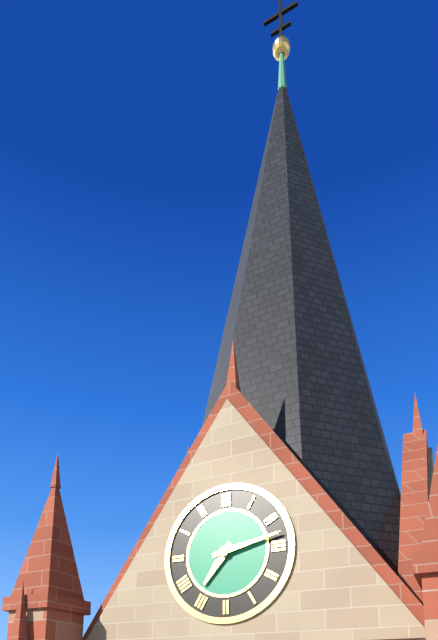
h=7 m=13
